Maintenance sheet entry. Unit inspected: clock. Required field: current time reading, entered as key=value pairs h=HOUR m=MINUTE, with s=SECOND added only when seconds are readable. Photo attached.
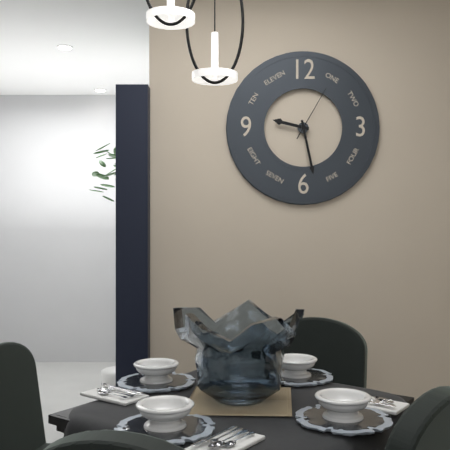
h=9 m=28 s=5
